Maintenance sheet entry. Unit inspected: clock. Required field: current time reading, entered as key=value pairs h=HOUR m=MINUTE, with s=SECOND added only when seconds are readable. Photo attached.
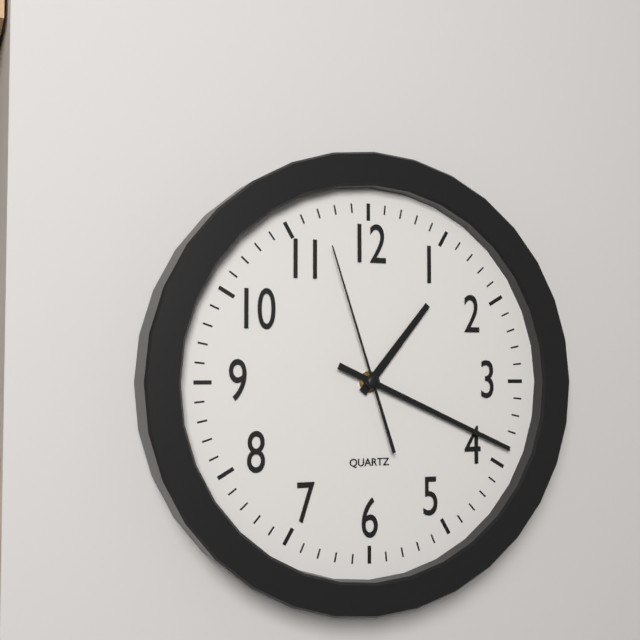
h=1 m=19 s=57
